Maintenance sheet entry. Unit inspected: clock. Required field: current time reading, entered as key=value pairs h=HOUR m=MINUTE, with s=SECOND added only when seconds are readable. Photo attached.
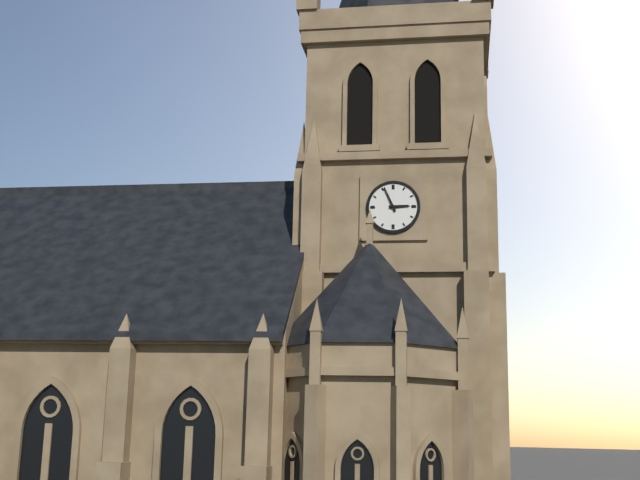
h=2 m=56
